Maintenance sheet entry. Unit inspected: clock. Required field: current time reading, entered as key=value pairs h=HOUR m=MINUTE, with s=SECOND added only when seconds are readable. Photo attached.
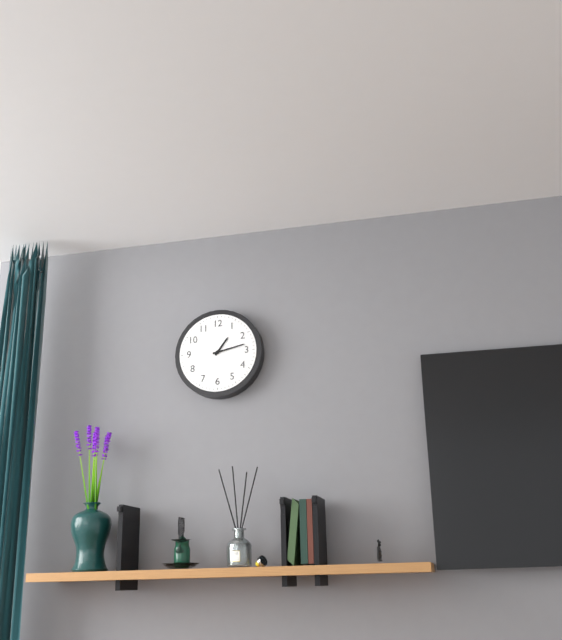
h=1 m=13
